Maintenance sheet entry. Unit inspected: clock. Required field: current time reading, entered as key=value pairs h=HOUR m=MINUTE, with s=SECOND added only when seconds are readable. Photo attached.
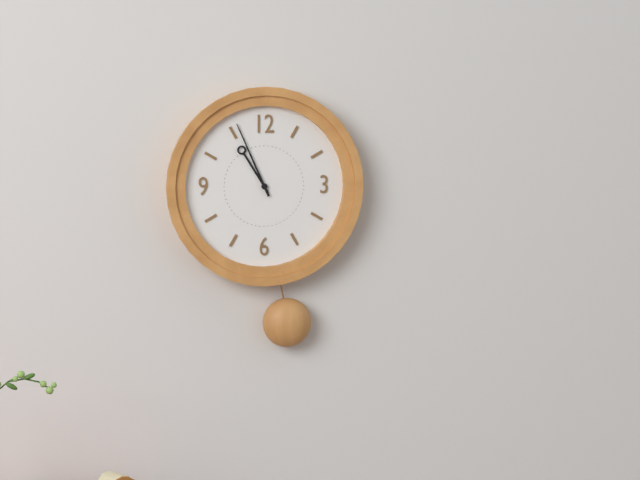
h=10 m=56
